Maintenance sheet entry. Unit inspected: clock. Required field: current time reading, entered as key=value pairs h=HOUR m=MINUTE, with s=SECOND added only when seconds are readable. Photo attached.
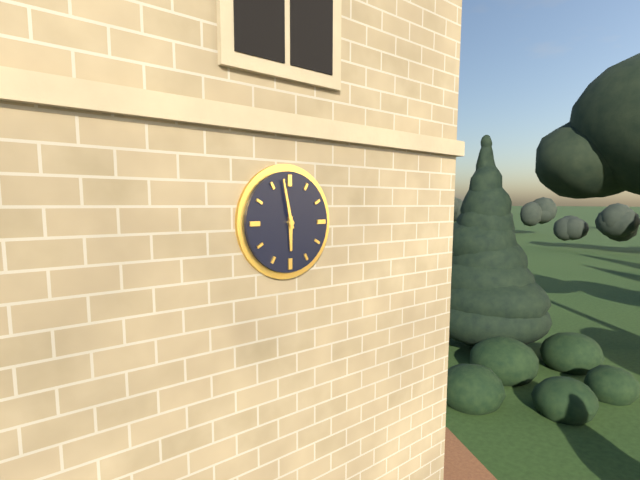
h=5 m=58
